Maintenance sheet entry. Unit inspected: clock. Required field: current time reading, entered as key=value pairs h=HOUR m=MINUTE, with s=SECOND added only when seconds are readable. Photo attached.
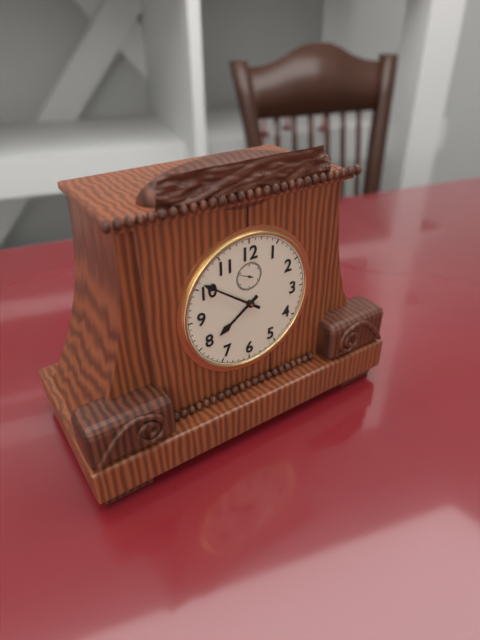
h=7 m=51
